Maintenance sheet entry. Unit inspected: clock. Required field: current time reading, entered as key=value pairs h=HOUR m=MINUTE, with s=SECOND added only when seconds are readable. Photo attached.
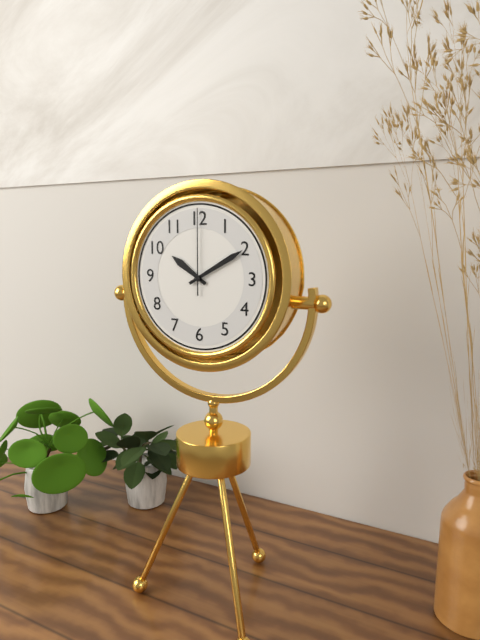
h=10 m=10 s=0
